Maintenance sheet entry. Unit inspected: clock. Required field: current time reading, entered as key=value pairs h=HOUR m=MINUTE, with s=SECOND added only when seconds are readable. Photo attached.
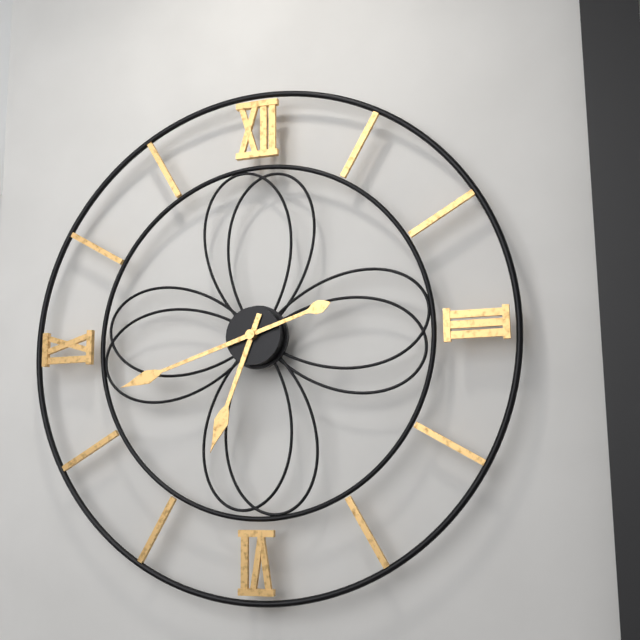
h=6 m=42
